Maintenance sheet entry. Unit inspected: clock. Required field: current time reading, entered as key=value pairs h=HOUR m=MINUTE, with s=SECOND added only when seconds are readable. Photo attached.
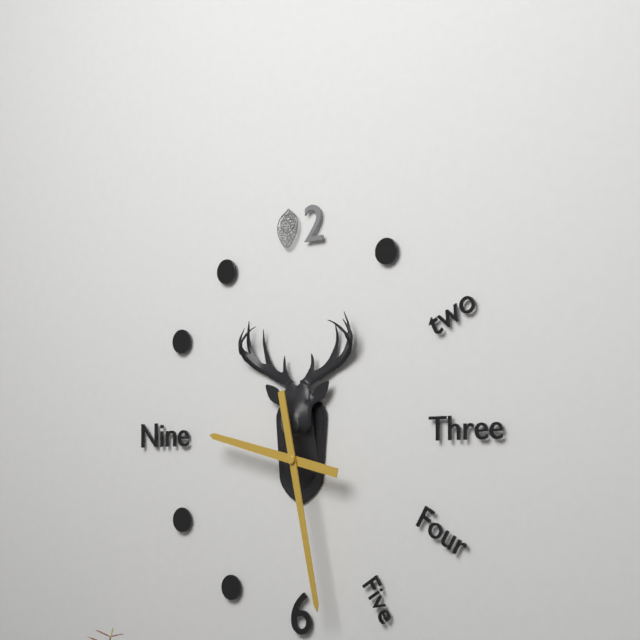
h=9 m=28
